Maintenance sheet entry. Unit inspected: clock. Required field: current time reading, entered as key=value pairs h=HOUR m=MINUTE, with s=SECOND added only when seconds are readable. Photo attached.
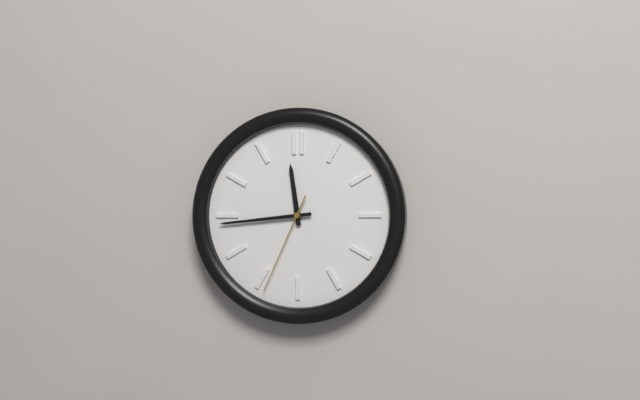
h=11 m=44 s=34
